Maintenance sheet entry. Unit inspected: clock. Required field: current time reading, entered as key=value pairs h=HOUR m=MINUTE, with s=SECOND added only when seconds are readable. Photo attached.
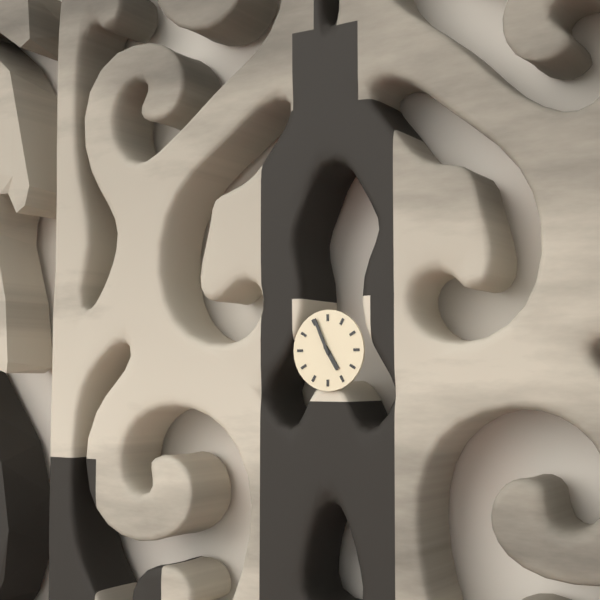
h=4 m=56
